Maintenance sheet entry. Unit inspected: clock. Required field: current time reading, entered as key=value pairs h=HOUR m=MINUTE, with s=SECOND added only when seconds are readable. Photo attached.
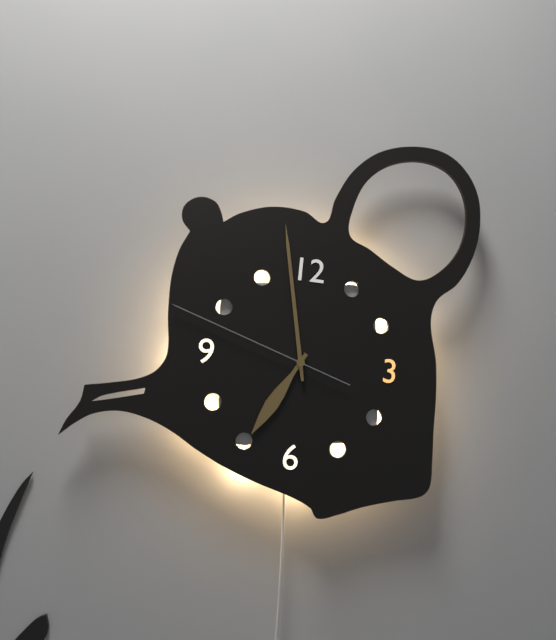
h=6 m=58 s=48
